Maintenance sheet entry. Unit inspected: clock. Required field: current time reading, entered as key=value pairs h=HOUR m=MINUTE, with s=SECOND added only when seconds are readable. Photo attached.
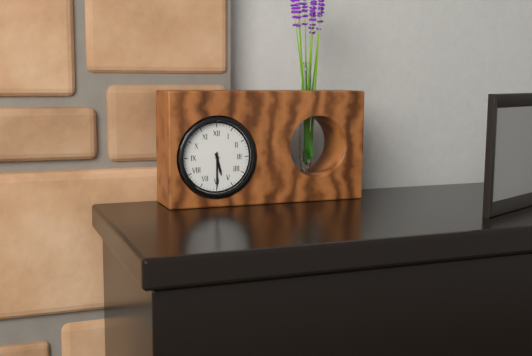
h=5 m=30
